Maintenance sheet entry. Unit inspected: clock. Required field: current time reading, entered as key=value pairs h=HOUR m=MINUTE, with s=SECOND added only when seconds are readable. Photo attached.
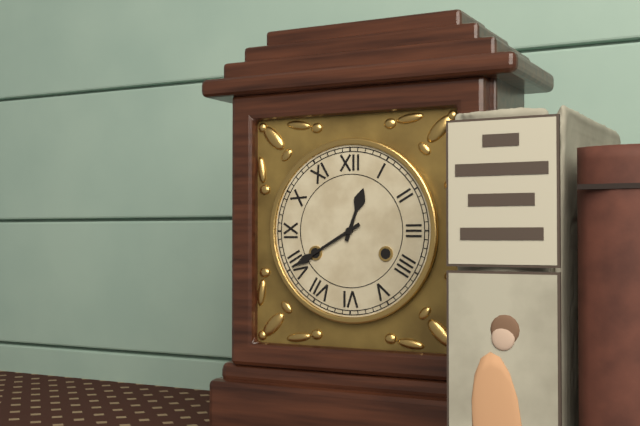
h=12 m=40
